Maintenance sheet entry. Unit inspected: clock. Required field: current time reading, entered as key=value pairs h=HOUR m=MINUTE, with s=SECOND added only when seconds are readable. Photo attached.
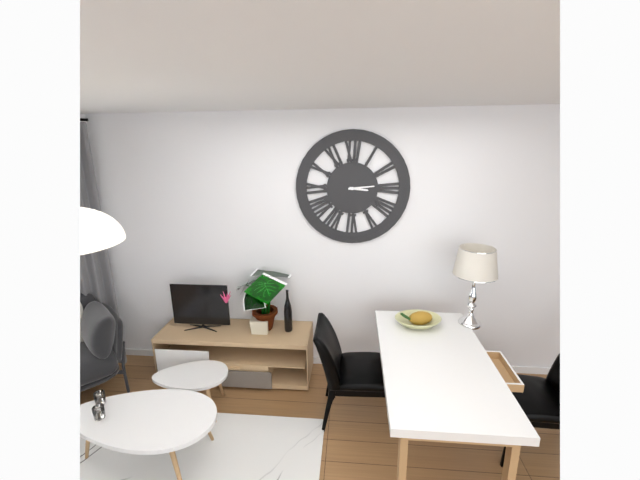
h=3 m=14
